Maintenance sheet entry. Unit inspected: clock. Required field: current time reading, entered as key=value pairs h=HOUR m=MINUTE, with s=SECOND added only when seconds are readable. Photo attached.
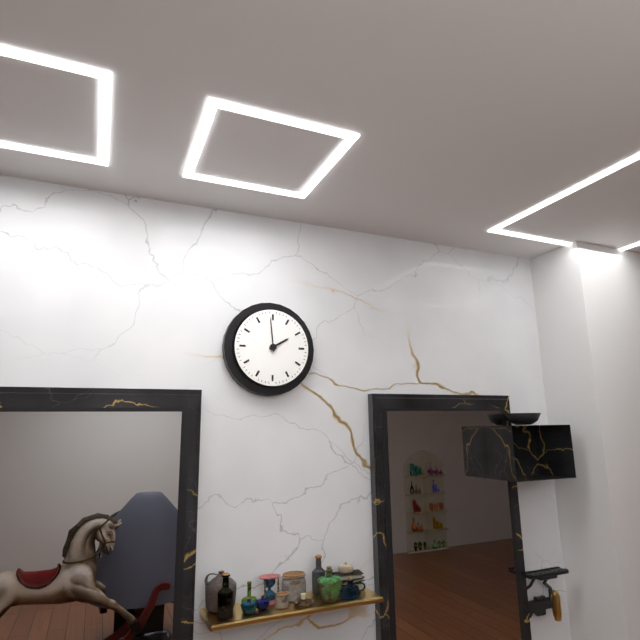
h=1 m=59
